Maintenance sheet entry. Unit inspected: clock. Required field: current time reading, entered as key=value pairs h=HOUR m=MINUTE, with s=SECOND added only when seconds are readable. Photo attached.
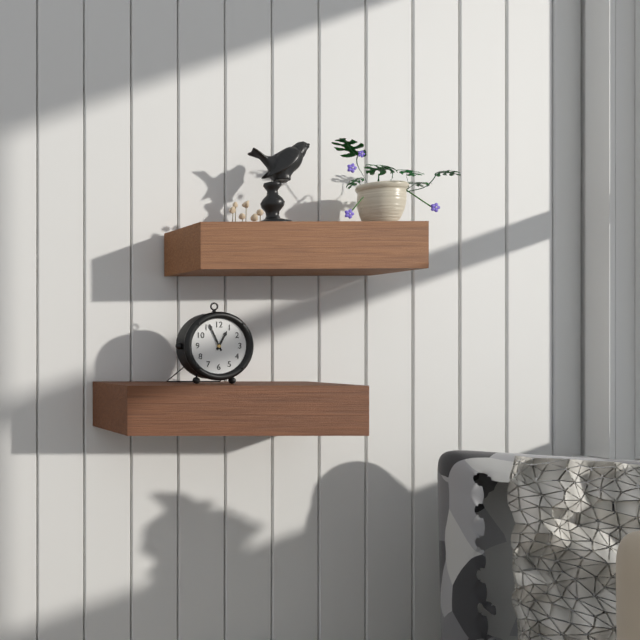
h=12 m=56
